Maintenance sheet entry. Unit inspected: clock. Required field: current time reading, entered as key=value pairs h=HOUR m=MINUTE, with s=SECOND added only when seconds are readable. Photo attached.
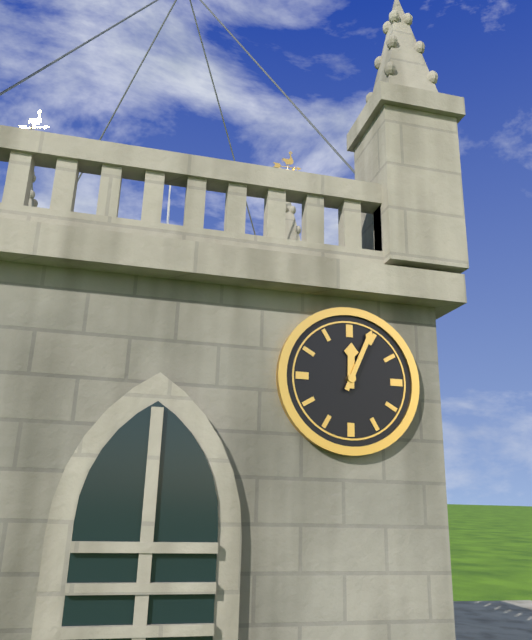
h=12 m=4
